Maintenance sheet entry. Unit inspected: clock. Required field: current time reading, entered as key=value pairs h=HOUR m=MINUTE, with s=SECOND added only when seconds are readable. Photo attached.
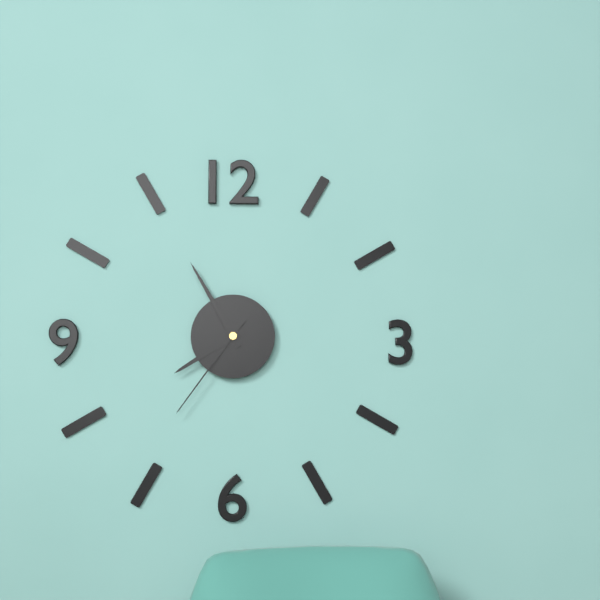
h=7 m=55 s=36
